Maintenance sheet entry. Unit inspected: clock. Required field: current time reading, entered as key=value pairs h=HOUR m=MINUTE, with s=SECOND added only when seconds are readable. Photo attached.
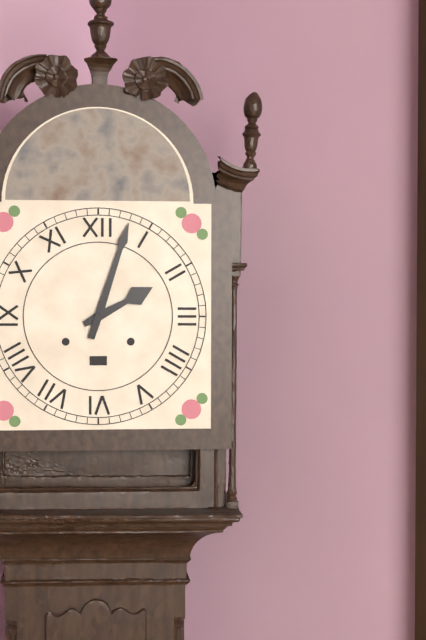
h=2 m=3
